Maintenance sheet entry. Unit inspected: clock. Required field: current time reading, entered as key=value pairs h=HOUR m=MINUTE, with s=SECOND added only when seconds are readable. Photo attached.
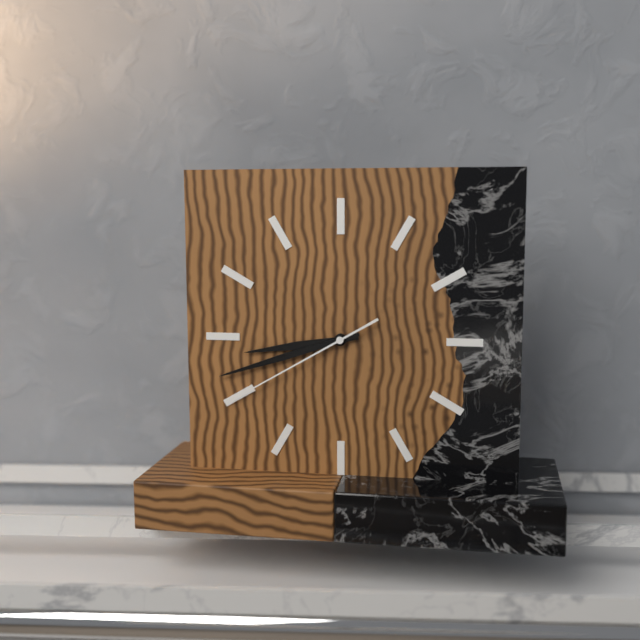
h=8 m=42 s=40
